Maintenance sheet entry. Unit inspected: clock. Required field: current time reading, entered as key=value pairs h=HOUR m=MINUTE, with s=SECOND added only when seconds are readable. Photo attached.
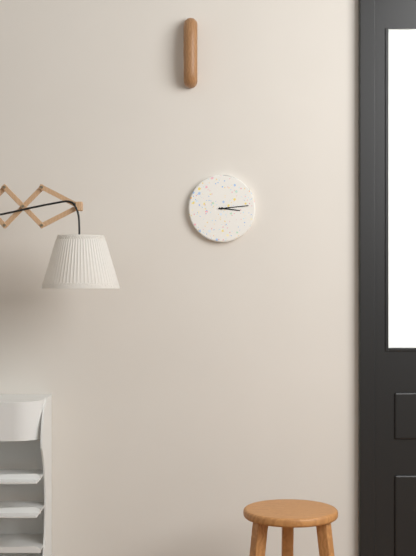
h=3 m=14
